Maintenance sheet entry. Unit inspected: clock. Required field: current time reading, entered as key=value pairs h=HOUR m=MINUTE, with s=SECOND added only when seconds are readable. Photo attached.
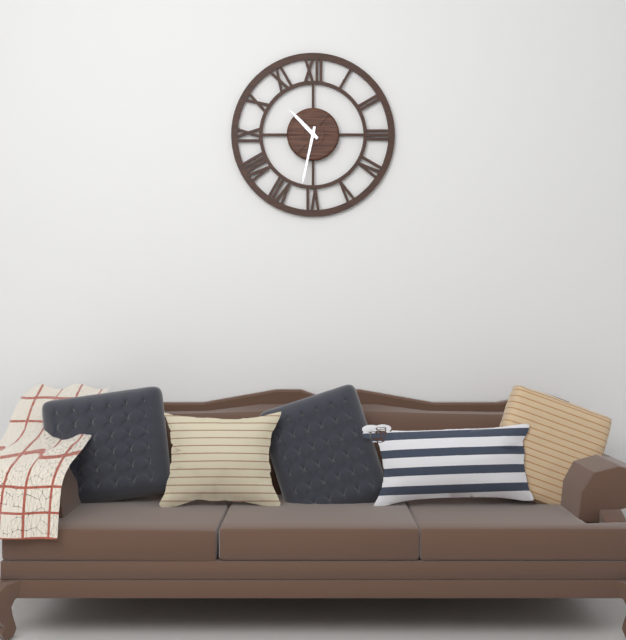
h=10 m=32
